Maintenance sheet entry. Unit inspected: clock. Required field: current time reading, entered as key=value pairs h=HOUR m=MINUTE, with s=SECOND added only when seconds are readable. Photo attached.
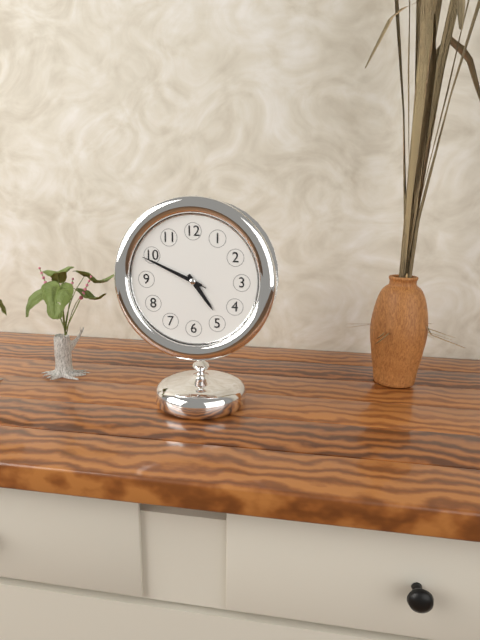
h=4 m=49 s=49
